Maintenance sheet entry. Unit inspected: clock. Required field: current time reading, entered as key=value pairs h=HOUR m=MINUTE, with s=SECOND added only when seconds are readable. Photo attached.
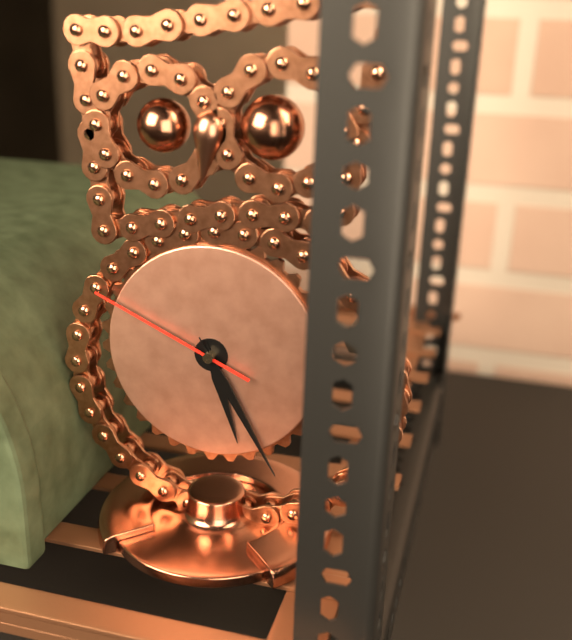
h=5 m=25 s=49
